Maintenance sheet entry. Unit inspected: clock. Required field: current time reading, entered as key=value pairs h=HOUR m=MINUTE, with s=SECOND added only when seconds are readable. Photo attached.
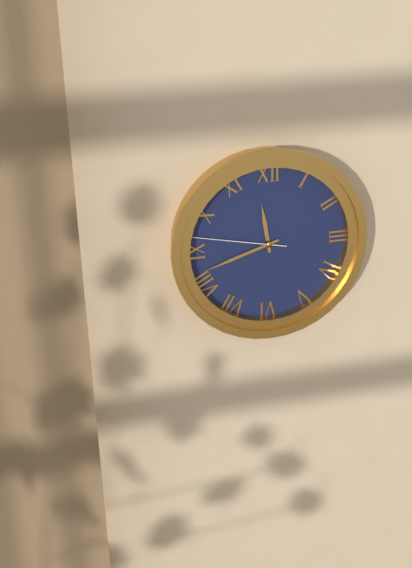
h=11 m=42 s=47
